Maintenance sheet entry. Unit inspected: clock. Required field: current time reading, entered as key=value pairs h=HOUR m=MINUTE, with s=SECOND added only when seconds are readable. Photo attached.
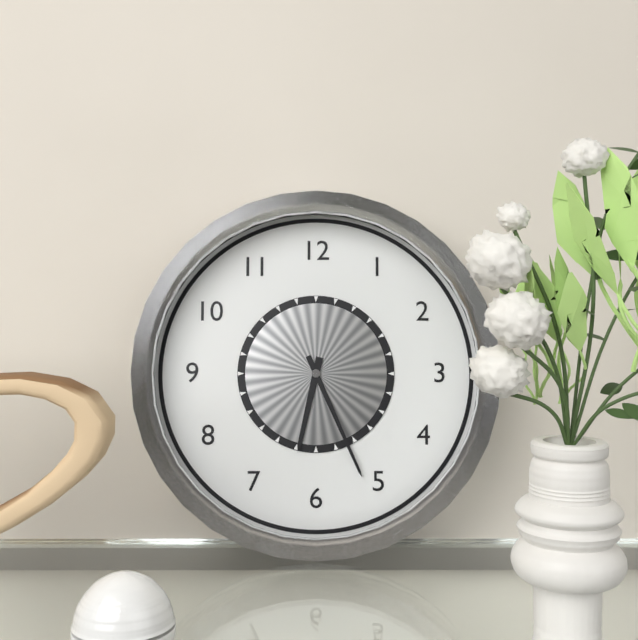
h=6 m=26
